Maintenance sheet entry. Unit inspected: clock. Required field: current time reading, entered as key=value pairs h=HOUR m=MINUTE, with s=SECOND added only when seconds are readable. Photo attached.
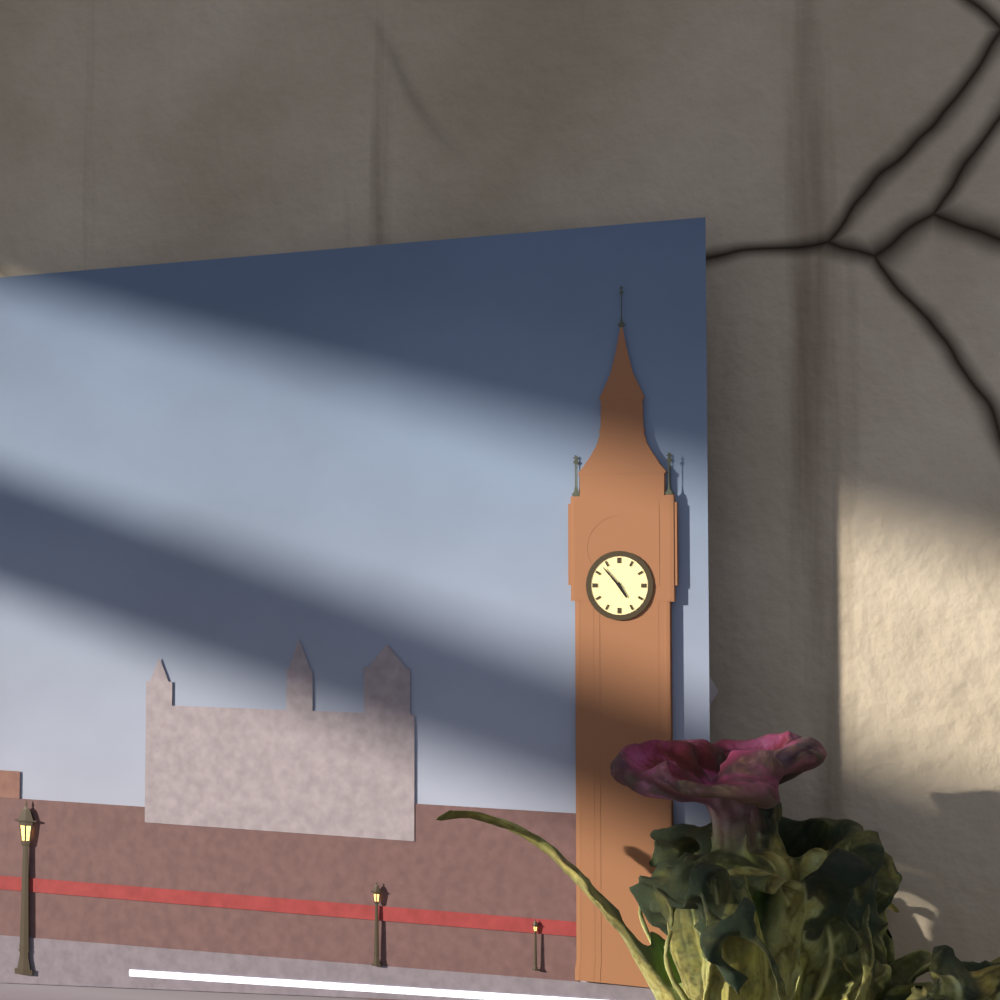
h=4 m=53
